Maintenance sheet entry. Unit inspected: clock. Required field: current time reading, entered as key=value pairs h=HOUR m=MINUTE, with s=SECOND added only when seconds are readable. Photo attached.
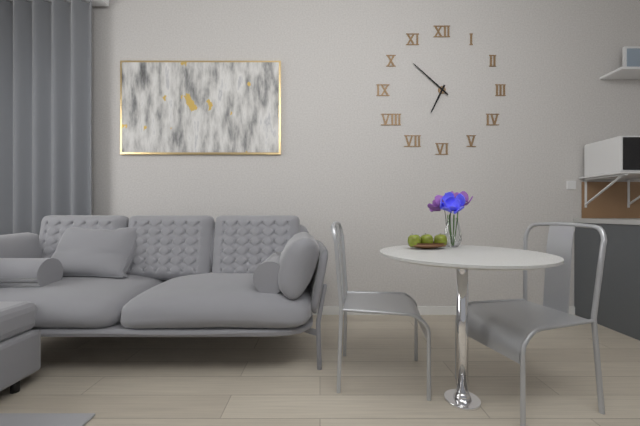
h=6 m=52
